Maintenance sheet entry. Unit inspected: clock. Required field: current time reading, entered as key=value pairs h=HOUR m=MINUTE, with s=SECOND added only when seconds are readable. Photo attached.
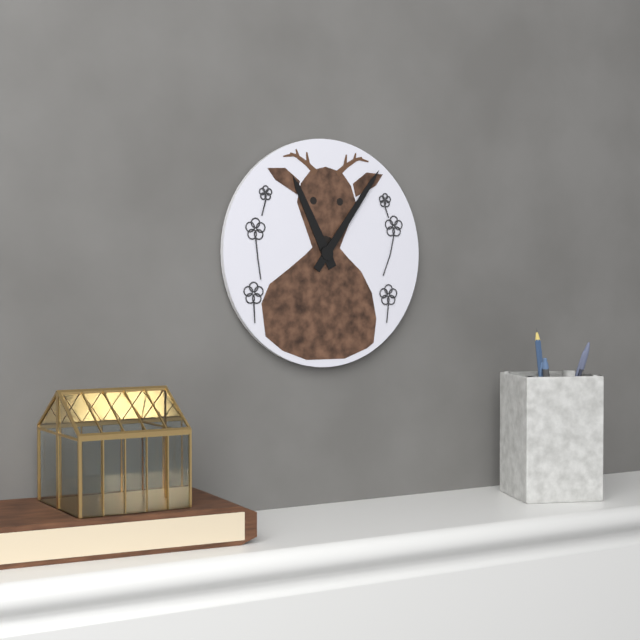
h=11 m=6
